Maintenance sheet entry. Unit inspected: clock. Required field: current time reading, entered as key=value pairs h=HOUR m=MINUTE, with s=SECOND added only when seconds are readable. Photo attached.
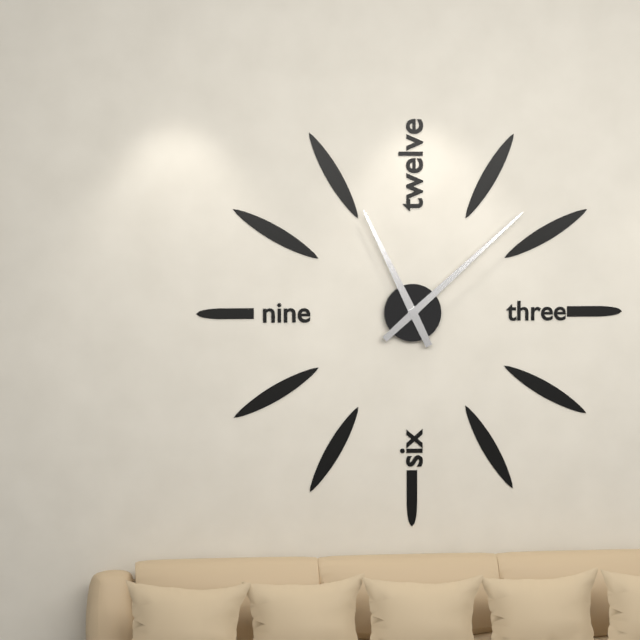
h=11 m=8
